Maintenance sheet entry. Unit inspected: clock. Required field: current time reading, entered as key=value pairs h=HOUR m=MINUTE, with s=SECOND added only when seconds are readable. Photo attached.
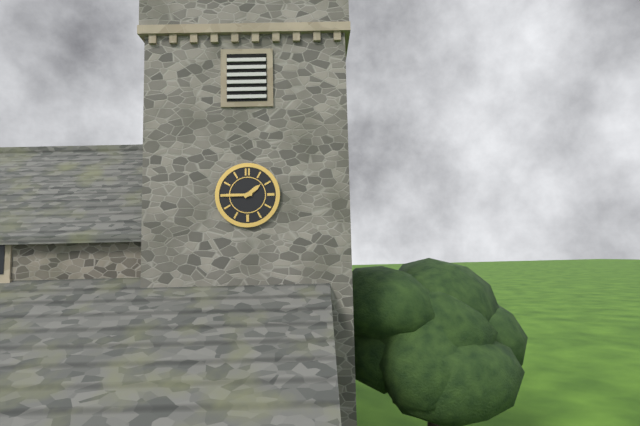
h=1 m=45
